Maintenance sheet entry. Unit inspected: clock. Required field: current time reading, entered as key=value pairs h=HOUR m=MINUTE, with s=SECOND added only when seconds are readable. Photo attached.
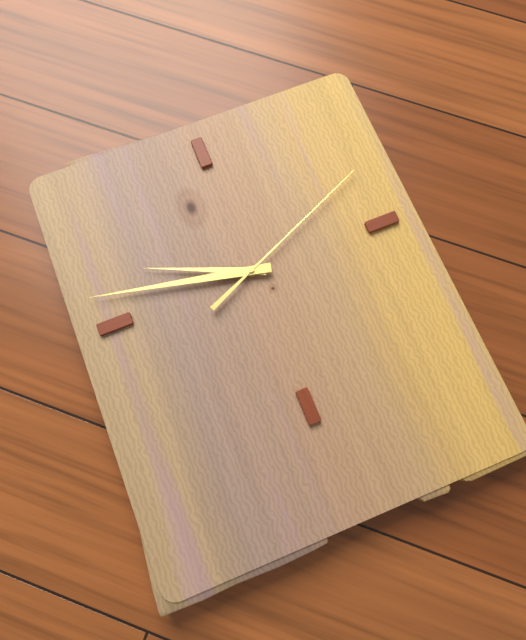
h=9 m=47 s=11
